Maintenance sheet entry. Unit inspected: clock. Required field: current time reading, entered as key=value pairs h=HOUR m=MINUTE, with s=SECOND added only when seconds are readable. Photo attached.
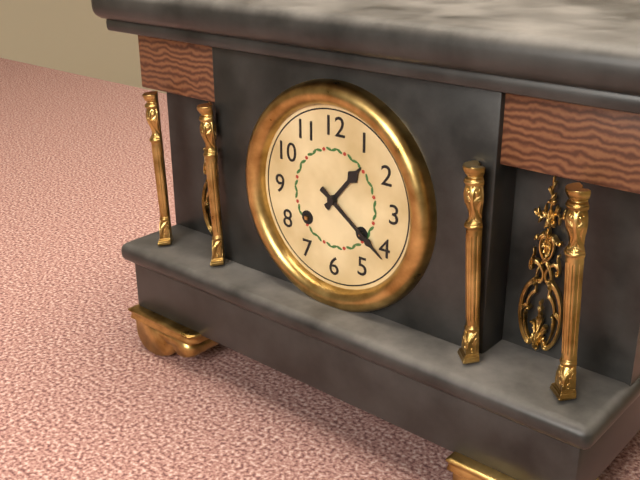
h=1 m=21
